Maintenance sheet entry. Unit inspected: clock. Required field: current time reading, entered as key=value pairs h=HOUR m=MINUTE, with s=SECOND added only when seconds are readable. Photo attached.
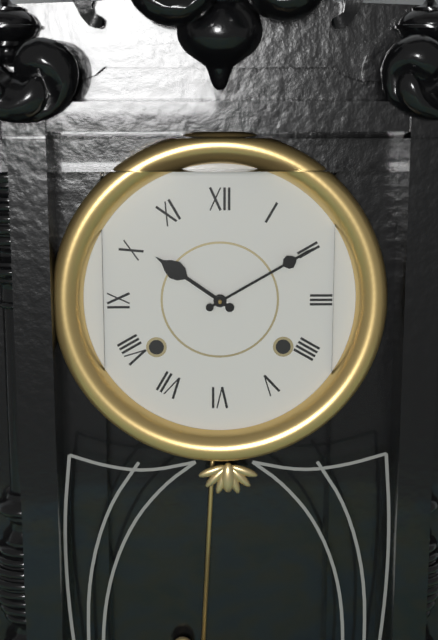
h=10 m=10
